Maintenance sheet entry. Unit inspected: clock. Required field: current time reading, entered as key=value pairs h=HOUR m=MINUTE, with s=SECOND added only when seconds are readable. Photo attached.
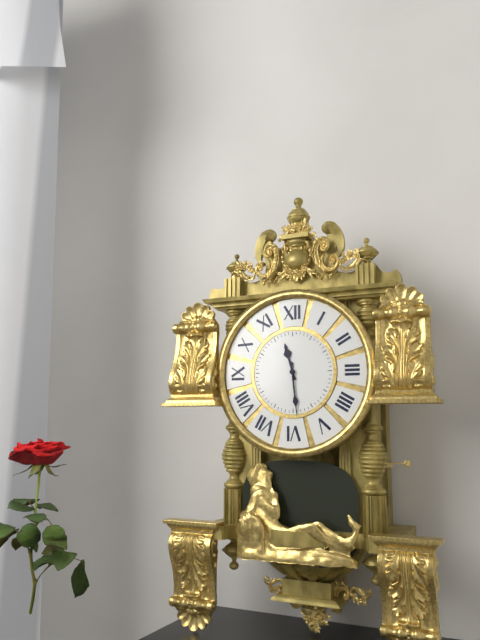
h=11 m=29
